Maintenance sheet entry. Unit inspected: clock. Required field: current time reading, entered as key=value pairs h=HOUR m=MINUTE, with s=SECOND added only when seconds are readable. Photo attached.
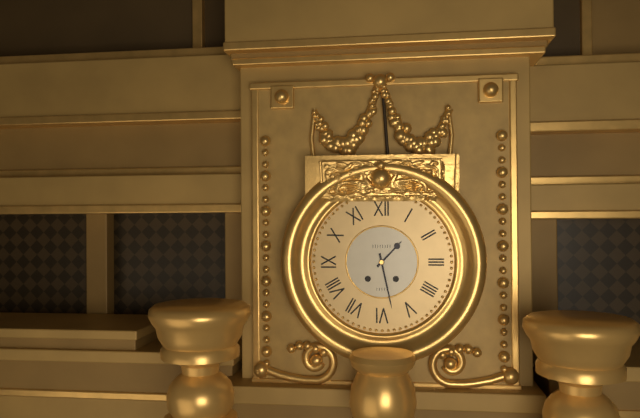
h=1 m=28
